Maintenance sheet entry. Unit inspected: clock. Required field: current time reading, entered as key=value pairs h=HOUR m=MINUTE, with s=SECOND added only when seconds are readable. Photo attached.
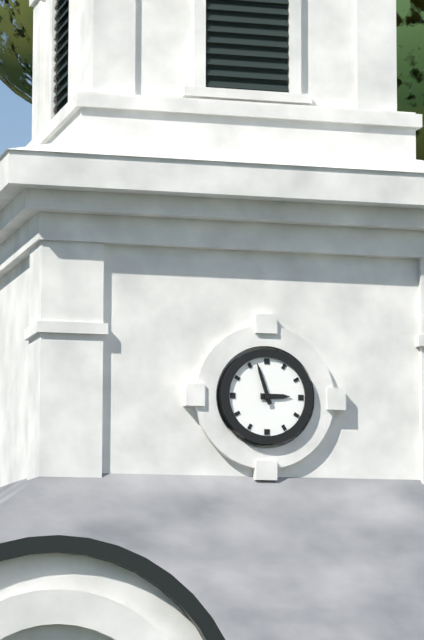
h=2 m=57
